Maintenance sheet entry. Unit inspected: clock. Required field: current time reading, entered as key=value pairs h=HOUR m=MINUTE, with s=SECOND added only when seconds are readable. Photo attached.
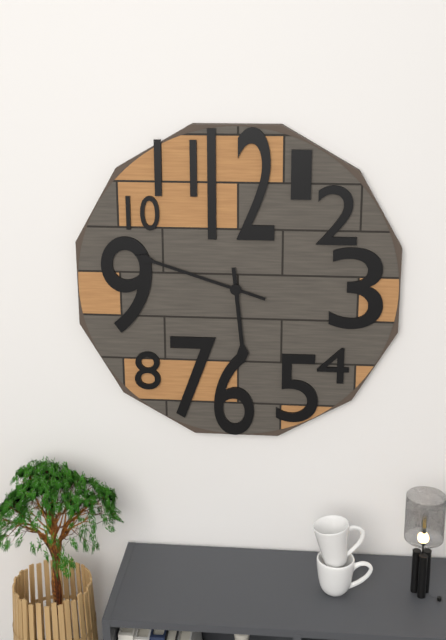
h=5 m=48
